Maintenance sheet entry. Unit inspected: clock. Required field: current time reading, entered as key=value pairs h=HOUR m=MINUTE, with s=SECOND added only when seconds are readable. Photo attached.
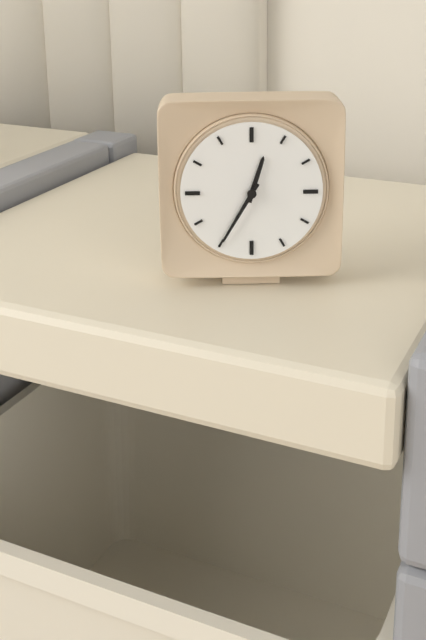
h=12 m=35
